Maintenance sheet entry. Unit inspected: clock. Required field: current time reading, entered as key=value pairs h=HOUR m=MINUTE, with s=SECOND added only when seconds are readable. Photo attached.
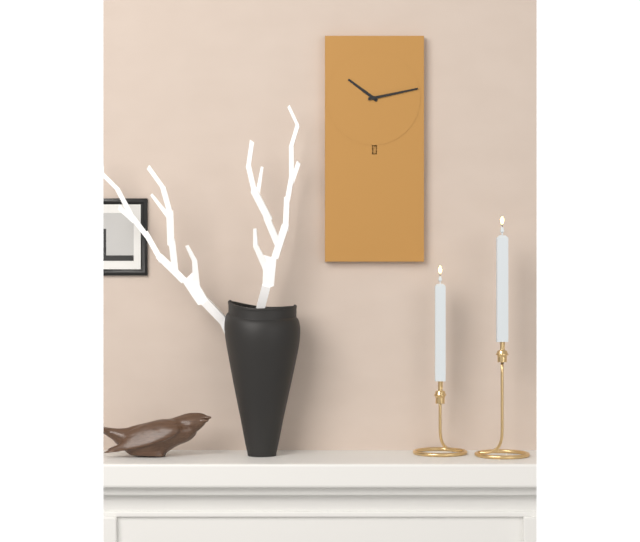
h=10 m=13
